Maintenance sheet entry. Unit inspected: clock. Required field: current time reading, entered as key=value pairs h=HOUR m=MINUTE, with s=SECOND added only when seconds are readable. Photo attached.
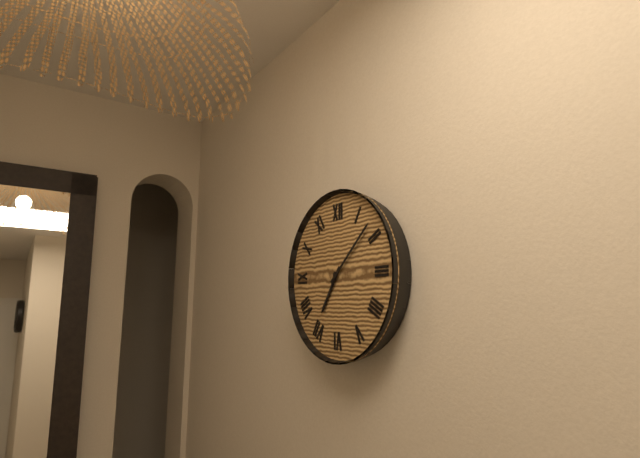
h=7 m=8
